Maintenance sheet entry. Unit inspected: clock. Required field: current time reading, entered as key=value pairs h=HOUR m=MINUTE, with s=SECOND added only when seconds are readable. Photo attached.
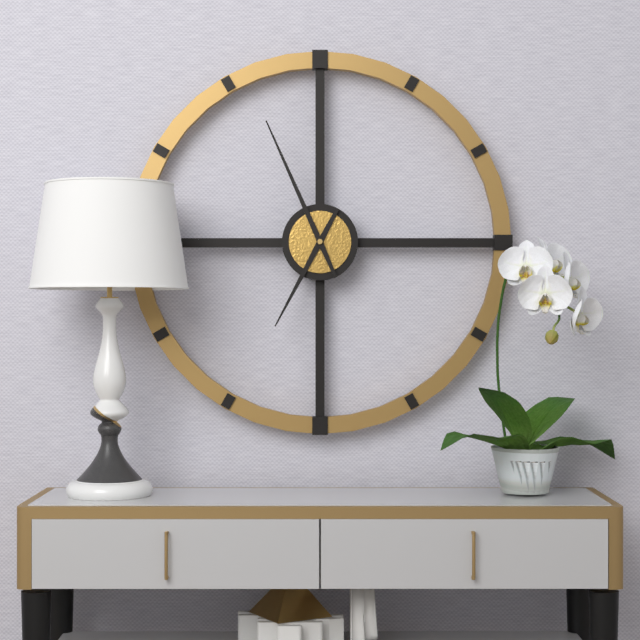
h=6 m=56
